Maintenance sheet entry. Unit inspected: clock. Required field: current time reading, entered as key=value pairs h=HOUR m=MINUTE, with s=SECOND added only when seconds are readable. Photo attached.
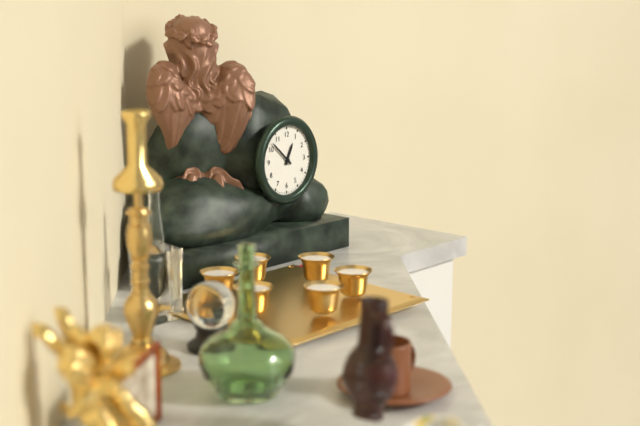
h=12 m=52
